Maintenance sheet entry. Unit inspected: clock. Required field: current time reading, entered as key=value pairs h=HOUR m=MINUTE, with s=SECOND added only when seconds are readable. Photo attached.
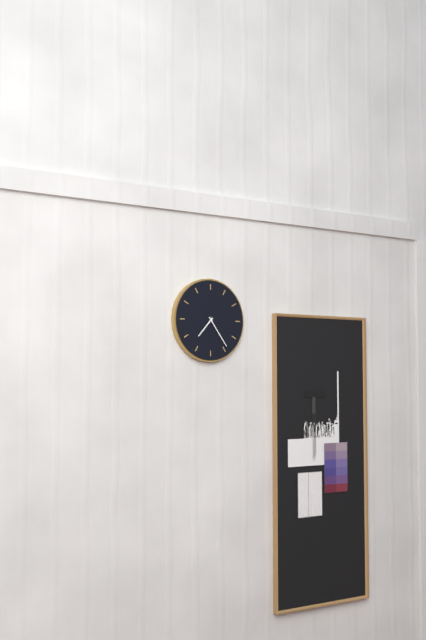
h=7 m=24
